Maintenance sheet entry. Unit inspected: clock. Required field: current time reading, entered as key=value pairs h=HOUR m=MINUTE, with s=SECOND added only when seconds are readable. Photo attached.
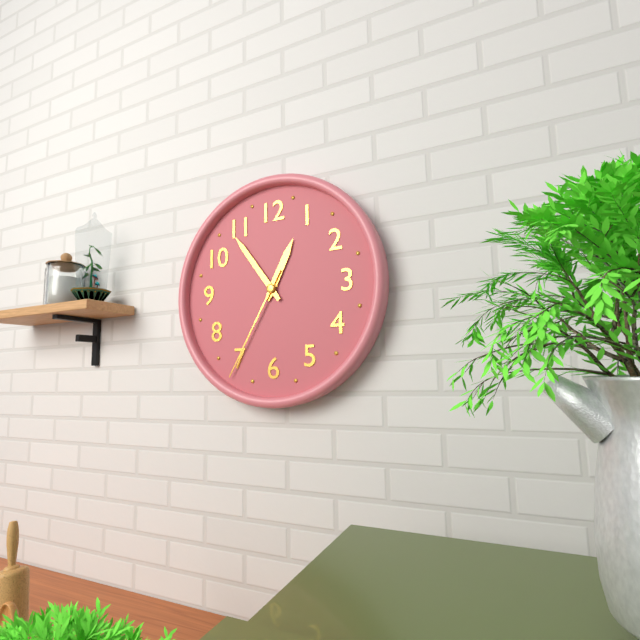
h=12 m=54 s=35
